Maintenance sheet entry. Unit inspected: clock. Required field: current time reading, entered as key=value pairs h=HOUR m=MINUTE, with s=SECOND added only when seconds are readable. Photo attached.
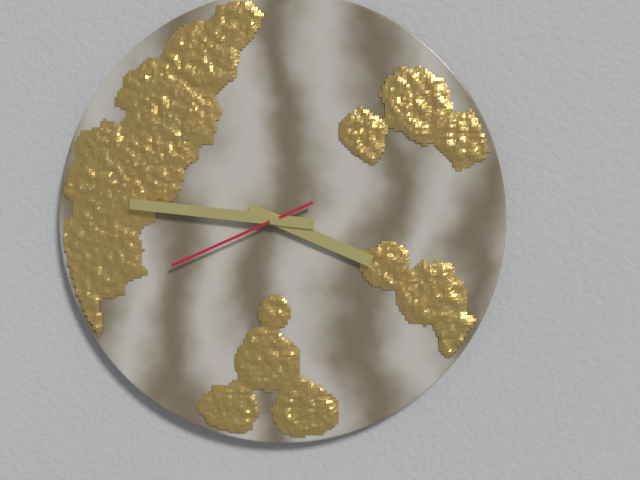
h=3 m=46 s=41
